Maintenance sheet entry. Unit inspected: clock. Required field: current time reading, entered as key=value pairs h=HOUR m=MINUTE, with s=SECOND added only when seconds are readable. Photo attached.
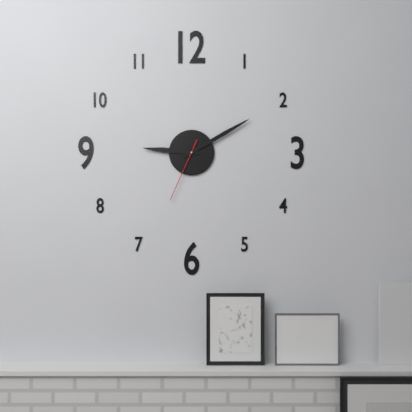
h=9 m=10 s=34
